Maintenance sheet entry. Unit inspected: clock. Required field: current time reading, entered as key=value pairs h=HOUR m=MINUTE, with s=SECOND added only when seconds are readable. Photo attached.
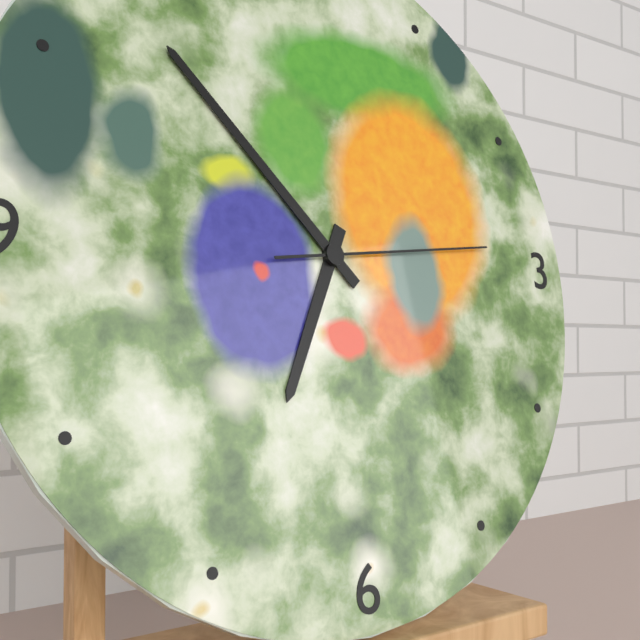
h=6 m=53 s=14
